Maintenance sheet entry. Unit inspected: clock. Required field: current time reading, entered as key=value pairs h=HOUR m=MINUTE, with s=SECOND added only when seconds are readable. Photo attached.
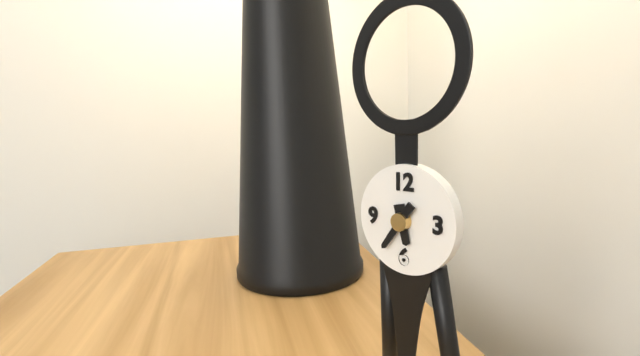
h=5 m=36
